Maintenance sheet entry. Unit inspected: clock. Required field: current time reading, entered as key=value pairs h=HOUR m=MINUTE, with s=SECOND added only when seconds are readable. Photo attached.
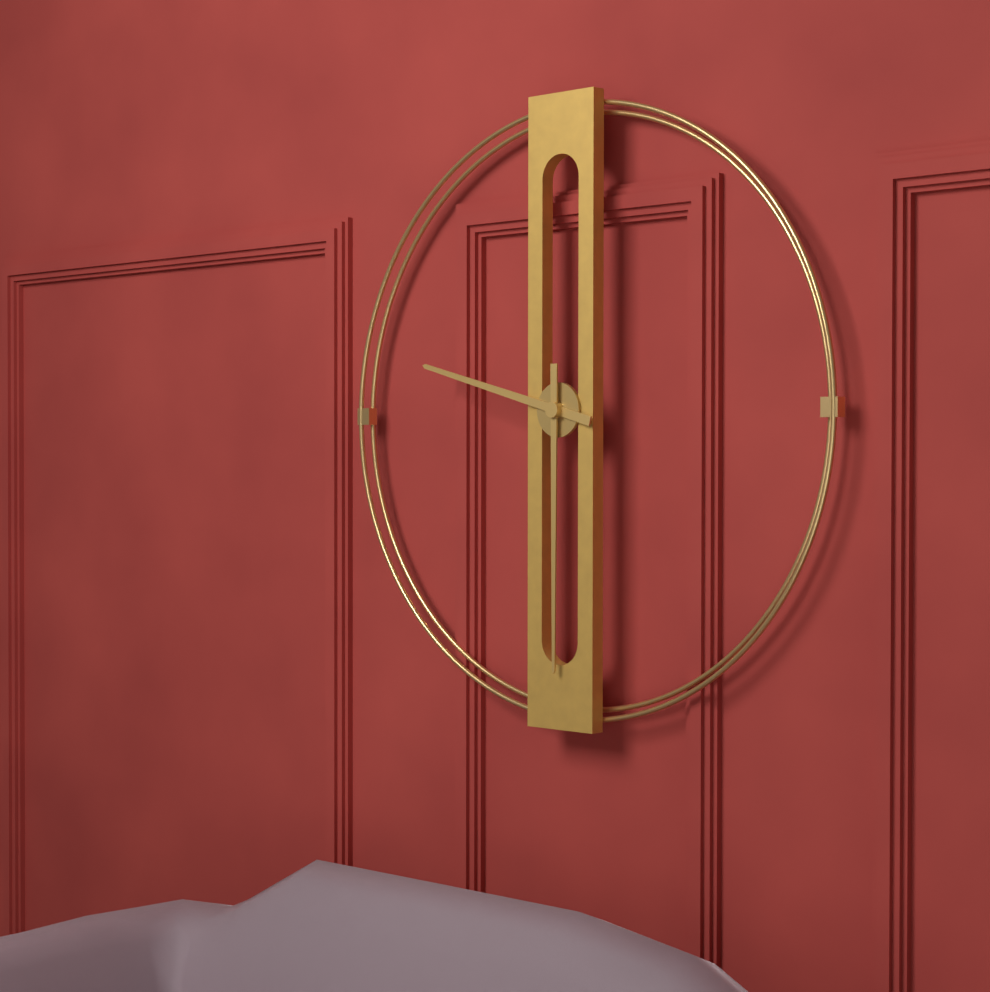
h=9 m=30
